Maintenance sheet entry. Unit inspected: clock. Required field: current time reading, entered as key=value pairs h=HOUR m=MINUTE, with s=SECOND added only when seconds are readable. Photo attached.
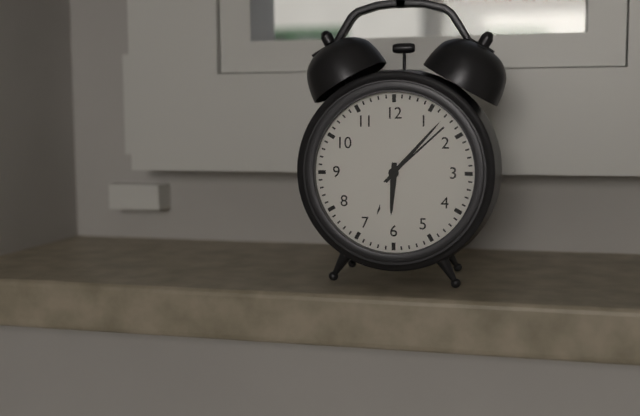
h=6 m=7
